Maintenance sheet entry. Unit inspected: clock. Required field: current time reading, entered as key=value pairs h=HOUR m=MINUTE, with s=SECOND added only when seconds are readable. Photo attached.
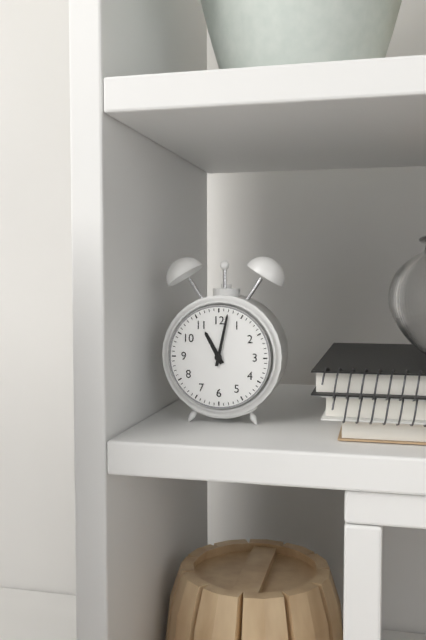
h=11 m=2
